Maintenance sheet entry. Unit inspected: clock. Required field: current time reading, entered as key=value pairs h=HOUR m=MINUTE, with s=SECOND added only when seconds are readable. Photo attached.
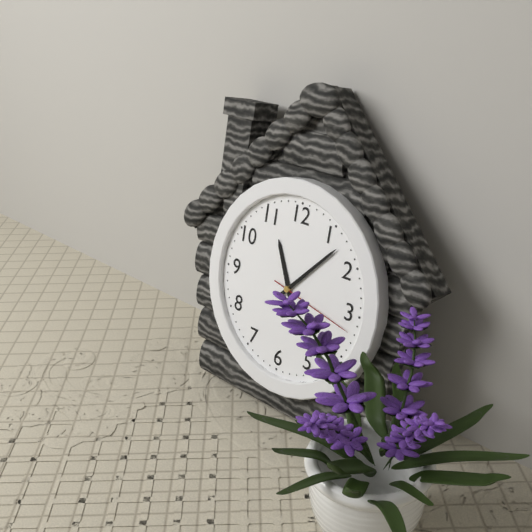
h=11 m=7 s=17
